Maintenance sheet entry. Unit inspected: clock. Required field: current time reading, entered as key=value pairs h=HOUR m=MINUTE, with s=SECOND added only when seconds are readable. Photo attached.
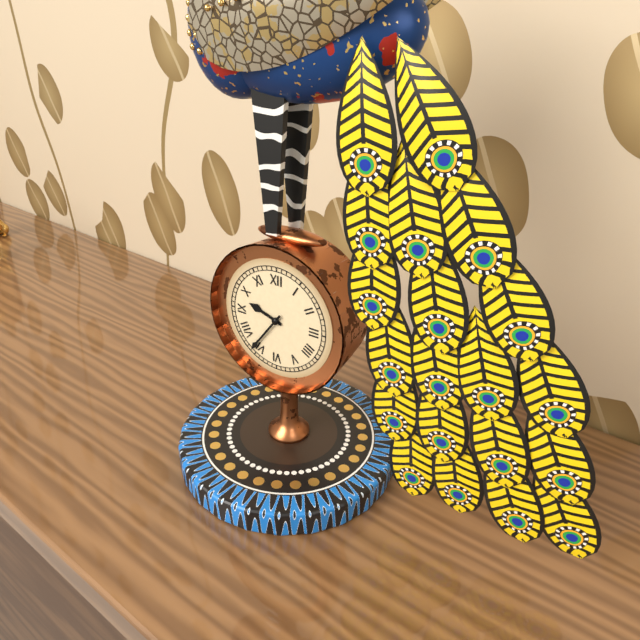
h=9 m=36
